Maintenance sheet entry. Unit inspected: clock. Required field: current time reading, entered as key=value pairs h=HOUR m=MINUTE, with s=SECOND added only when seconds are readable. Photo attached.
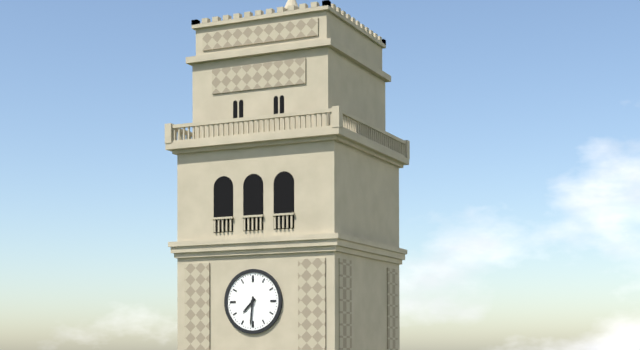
h=7 m=31
